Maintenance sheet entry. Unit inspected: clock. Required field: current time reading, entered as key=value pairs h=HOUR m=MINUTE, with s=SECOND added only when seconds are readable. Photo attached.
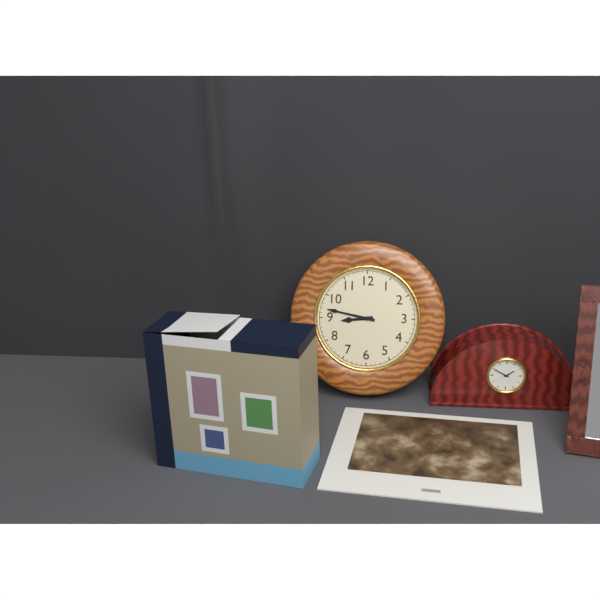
h=8 m=47
